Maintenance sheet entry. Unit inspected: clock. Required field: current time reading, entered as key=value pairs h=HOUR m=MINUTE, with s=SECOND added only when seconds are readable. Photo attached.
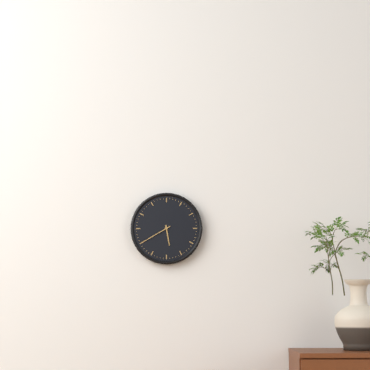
h=5 m=40
